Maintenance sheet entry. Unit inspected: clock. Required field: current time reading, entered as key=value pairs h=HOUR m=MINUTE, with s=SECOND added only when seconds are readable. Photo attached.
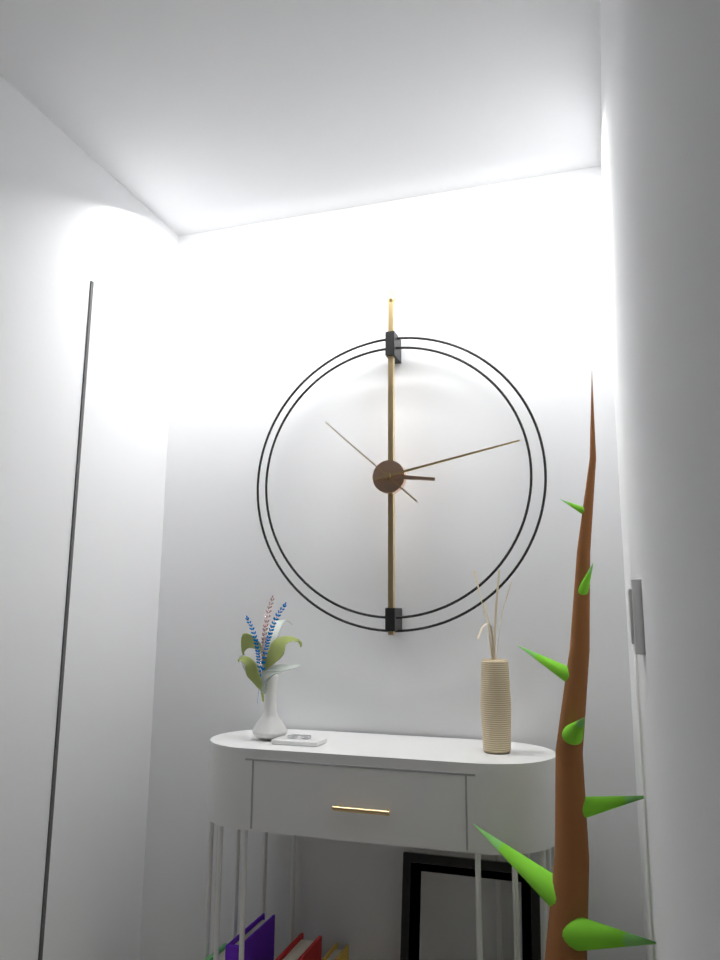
h=3 m=13 s=52
